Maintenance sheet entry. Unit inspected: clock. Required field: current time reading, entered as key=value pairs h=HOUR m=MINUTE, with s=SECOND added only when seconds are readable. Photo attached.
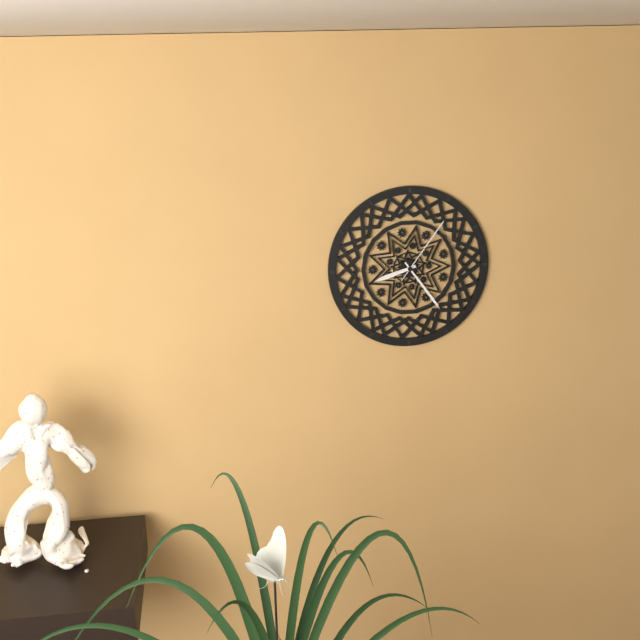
h=8 m=24 s=6
